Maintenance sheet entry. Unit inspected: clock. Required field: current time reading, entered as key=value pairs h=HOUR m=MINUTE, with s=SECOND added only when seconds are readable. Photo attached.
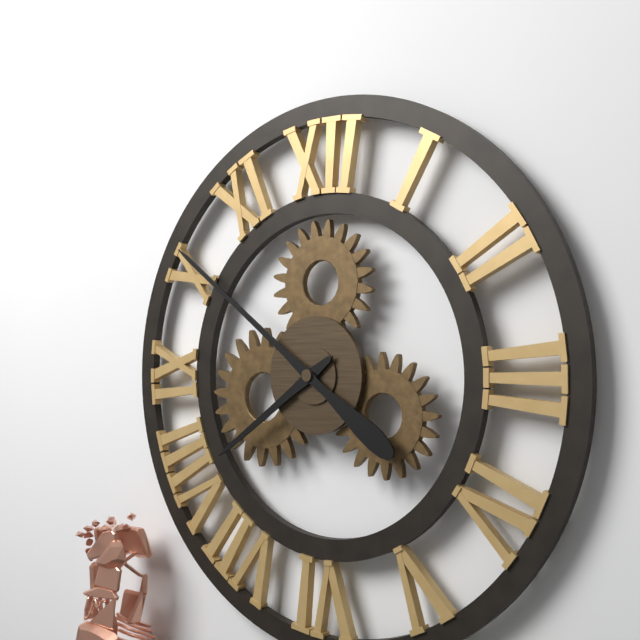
h=7 m=51
